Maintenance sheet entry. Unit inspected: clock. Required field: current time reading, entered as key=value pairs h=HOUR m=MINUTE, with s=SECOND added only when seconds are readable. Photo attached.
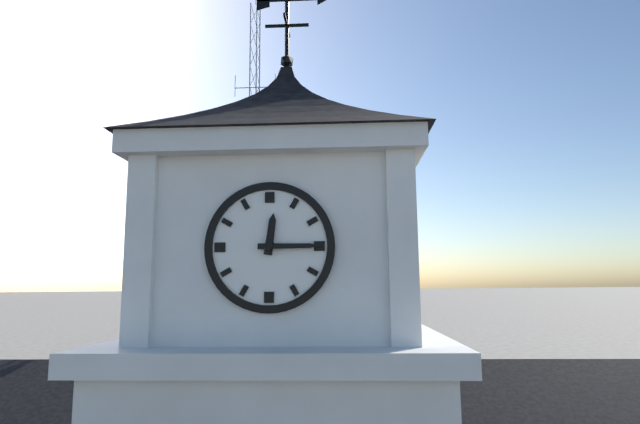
h=12 m=15
